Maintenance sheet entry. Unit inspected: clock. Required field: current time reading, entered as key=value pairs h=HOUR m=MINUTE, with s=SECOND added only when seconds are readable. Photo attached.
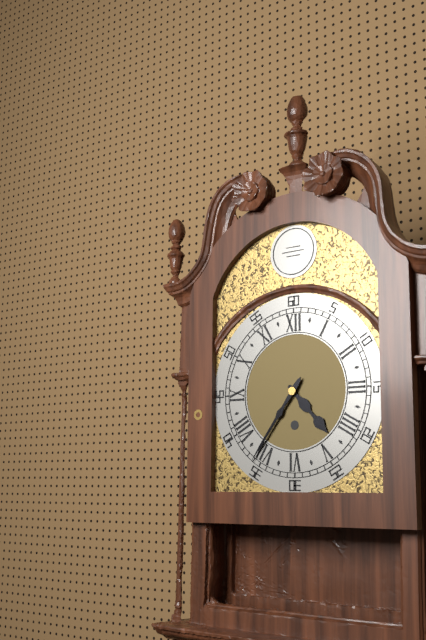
h=4 m=36
